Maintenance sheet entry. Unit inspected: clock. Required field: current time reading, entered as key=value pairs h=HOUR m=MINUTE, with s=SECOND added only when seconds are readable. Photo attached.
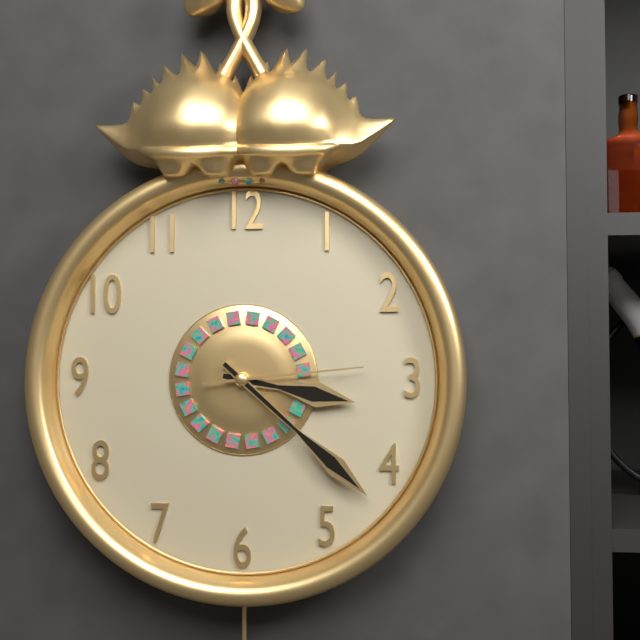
h=3 m=22 s=14
